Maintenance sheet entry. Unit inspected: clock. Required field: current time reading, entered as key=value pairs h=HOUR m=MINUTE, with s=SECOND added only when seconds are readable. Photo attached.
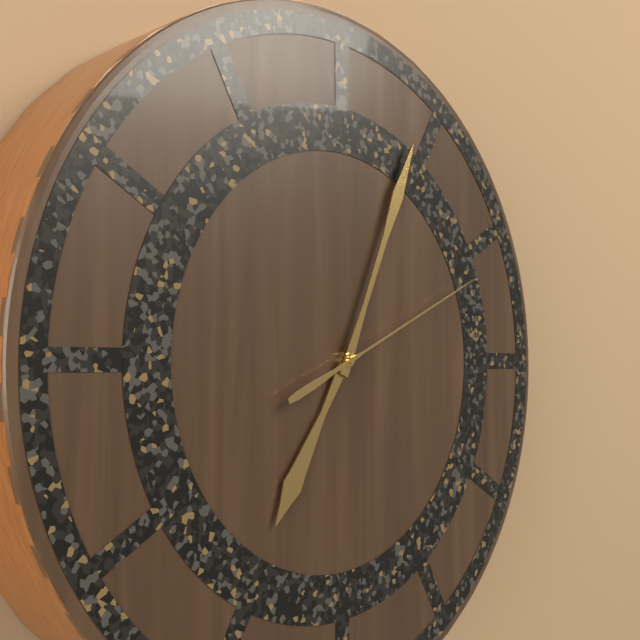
h=7 m=4 s=11
